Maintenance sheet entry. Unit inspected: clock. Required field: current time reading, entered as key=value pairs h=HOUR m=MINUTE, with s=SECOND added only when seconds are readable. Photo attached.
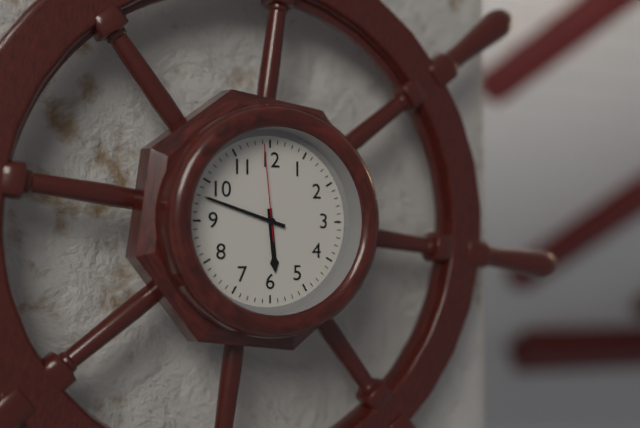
h=5 m=48 s=59
